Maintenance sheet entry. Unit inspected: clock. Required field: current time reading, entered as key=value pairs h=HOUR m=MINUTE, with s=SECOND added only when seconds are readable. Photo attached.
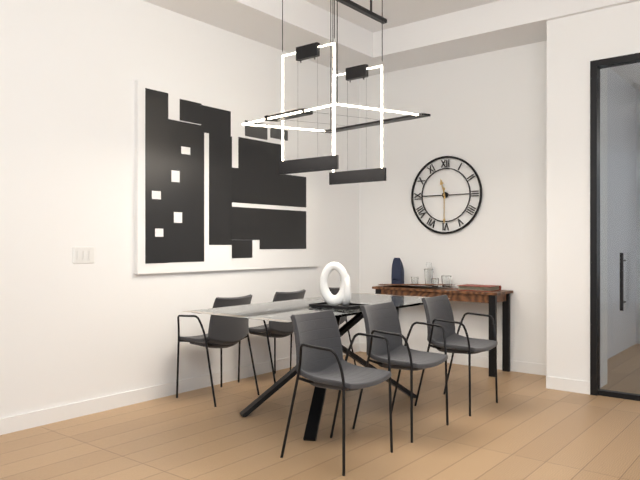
h=11 m=30
